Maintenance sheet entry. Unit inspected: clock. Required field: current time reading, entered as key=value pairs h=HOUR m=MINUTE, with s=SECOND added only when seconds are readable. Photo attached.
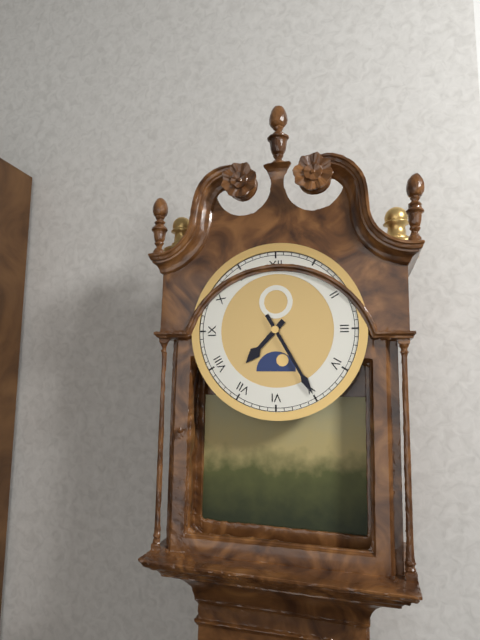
h=7 m=25
